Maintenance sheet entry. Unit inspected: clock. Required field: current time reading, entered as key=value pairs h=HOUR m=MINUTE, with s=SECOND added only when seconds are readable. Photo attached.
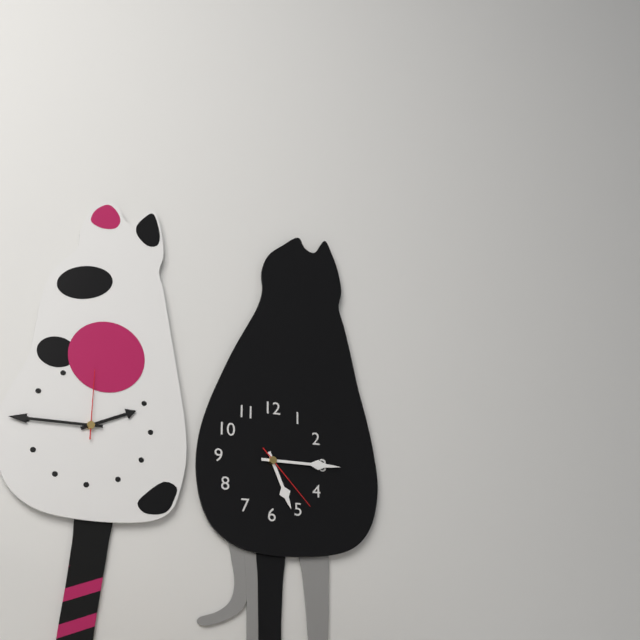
h=5 m=15 s=23
